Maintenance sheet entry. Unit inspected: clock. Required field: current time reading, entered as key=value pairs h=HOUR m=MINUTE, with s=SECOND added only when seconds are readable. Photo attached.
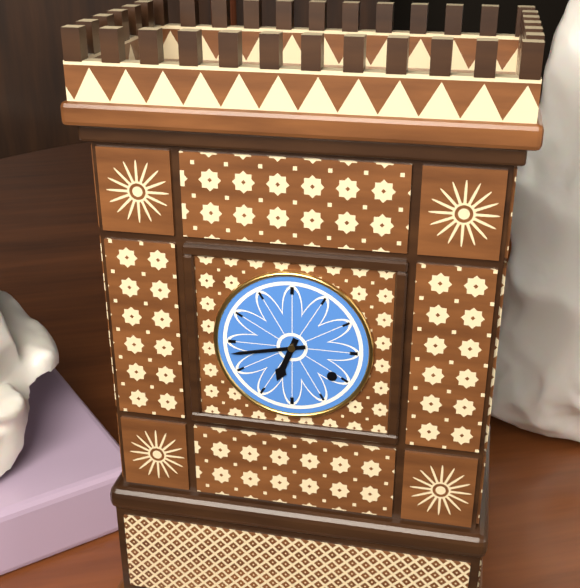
h=6 m=43
